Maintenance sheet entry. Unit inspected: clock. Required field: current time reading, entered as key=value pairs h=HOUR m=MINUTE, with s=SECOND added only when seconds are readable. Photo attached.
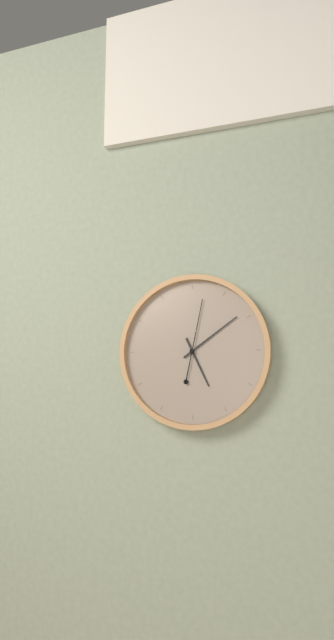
h=5 m=9 s=2
